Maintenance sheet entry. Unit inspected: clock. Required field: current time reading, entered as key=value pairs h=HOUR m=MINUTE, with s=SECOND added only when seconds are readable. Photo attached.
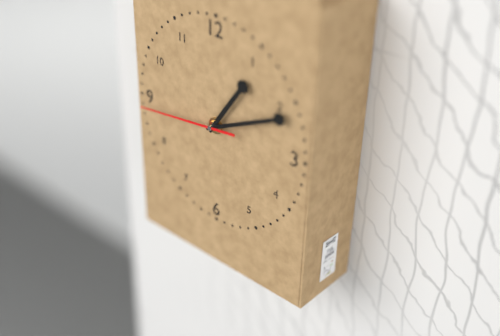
h=1 m=11 s=44
